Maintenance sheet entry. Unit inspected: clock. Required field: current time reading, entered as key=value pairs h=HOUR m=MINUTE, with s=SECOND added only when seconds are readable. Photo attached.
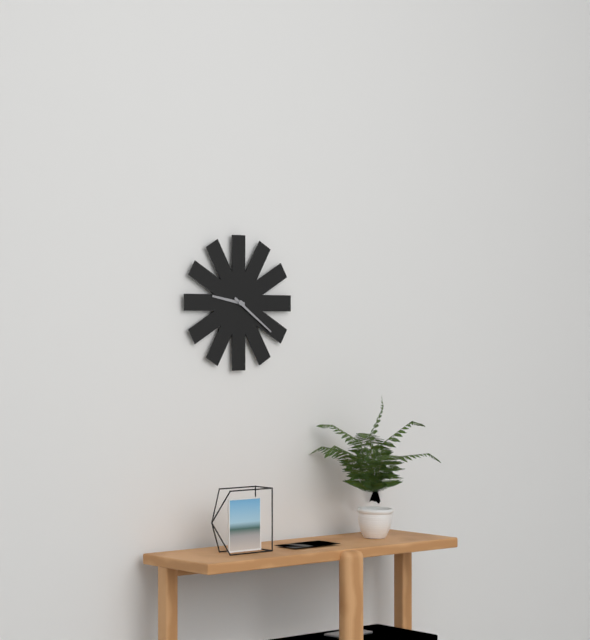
h=9 m=21
